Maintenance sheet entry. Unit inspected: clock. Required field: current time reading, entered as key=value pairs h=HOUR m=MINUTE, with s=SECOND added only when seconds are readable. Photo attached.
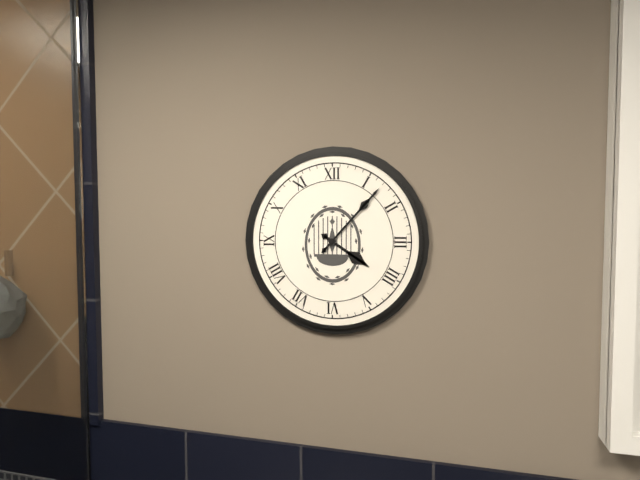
h=4 m=7
